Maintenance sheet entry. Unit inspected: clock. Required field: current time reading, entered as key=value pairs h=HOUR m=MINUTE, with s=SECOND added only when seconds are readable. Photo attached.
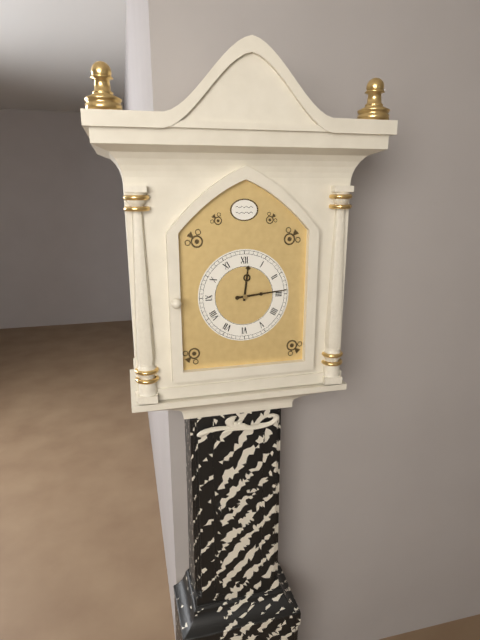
h=12 m=14
